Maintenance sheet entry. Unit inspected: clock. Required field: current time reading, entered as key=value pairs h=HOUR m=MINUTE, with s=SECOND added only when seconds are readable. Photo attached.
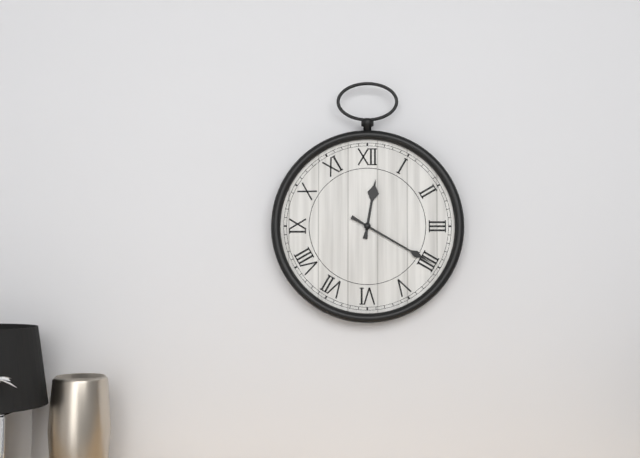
h=12 m=20
